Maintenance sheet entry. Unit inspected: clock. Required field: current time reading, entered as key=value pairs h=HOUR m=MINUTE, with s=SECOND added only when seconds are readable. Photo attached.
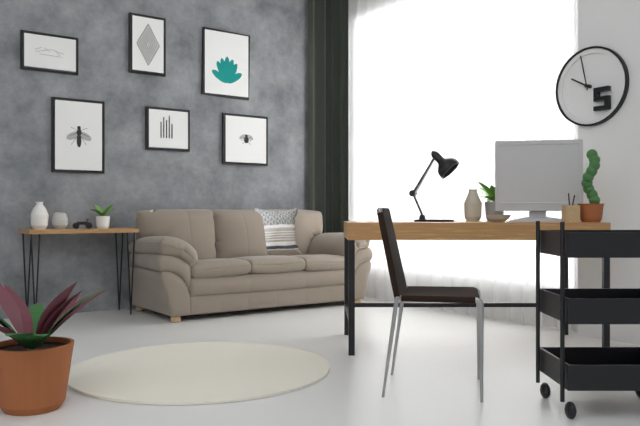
h=9 m=58
